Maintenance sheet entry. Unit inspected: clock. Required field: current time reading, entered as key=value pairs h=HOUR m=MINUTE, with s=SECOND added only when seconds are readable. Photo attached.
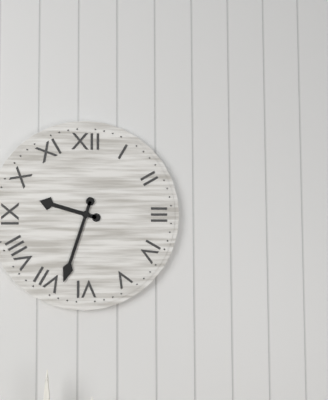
h=9 m=33
